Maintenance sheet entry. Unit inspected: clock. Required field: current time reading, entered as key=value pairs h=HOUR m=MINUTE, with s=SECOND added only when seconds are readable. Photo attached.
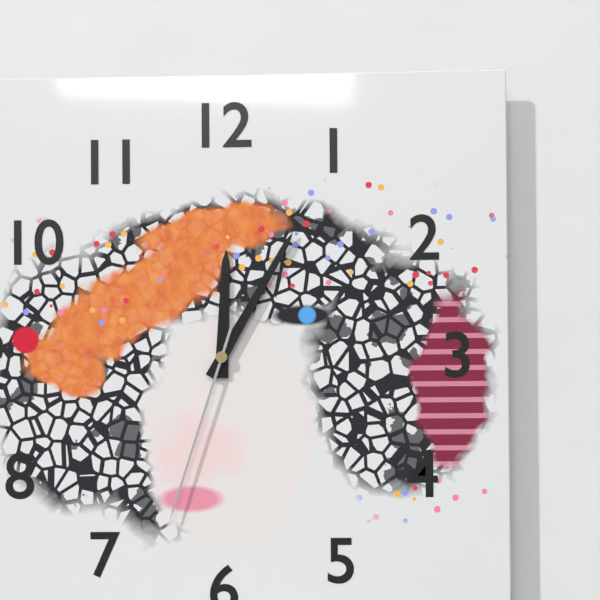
h=12 m=5 s=33
